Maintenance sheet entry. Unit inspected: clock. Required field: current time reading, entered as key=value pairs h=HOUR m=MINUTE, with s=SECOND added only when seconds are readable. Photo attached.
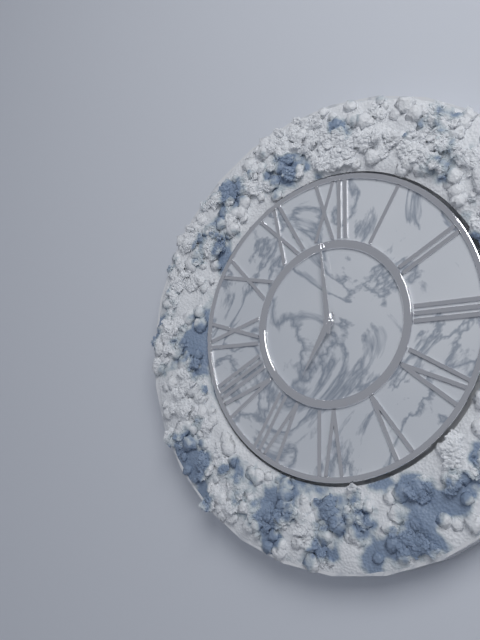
h=6 m=59
